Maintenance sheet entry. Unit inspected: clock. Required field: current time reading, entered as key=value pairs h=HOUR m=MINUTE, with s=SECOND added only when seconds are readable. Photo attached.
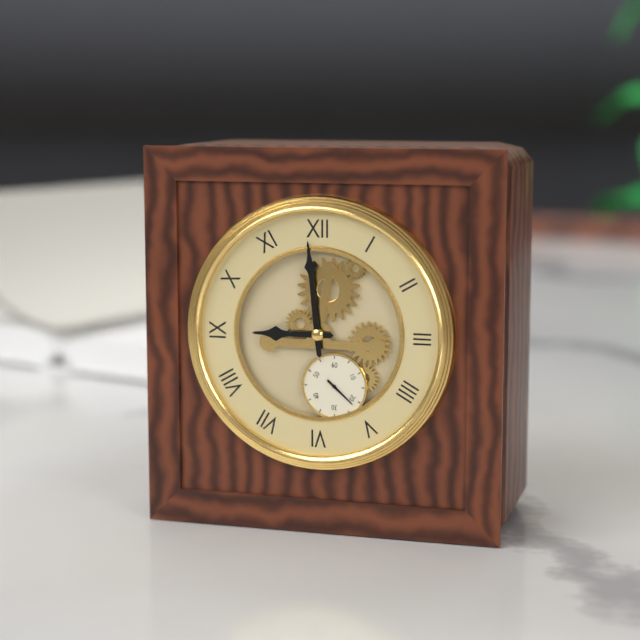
h=8 m=59
